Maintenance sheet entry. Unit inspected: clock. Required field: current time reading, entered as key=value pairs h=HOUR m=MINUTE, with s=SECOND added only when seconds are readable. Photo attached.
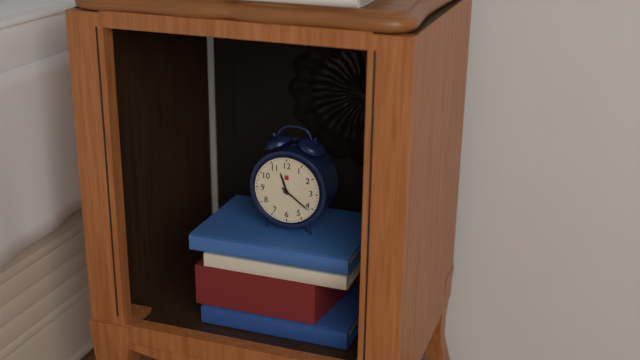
h=11 m=21
